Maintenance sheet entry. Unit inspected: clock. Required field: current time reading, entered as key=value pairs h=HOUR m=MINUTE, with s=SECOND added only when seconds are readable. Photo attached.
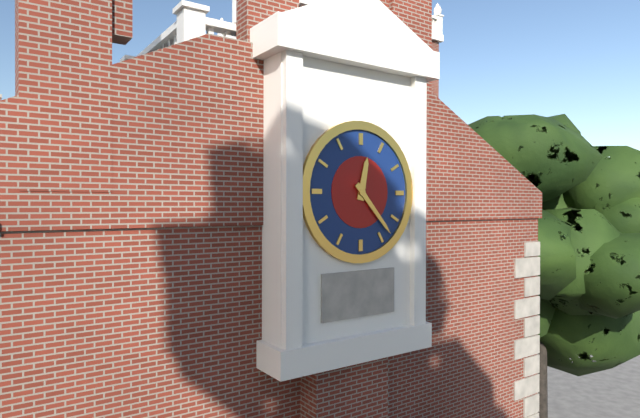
h=12 m=23
